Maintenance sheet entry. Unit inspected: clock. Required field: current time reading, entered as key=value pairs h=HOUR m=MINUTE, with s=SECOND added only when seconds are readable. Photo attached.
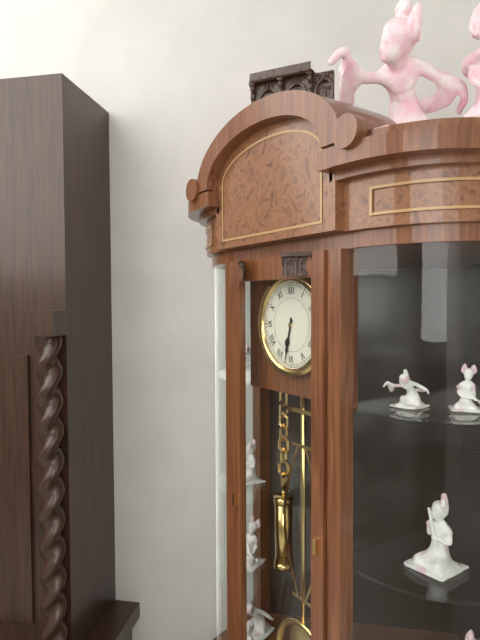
h=6 m=32
